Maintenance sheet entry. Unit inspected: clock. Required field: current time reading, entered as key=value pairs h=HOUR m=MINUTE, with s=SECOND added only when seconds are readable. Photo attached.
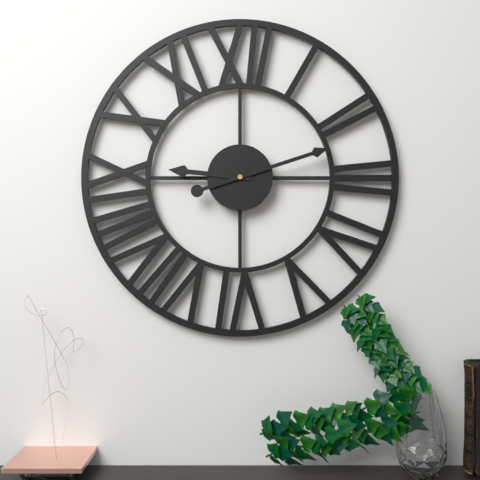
h=9 m=12
